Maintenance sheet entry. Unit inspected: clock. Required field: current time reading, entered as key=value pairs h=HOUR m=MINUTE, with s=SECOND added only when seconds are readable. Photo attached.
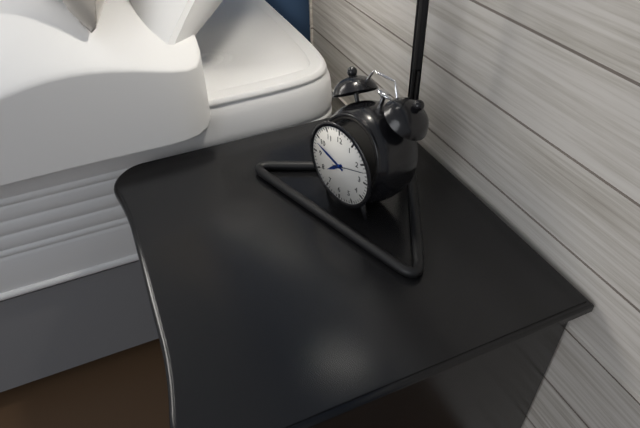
h=7 m=48
